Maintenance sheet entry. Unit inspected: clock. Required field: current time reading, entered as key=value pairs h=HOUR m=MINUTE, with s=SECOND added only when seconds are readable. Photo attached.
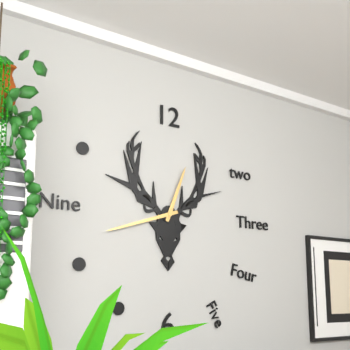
h=12 m=42
